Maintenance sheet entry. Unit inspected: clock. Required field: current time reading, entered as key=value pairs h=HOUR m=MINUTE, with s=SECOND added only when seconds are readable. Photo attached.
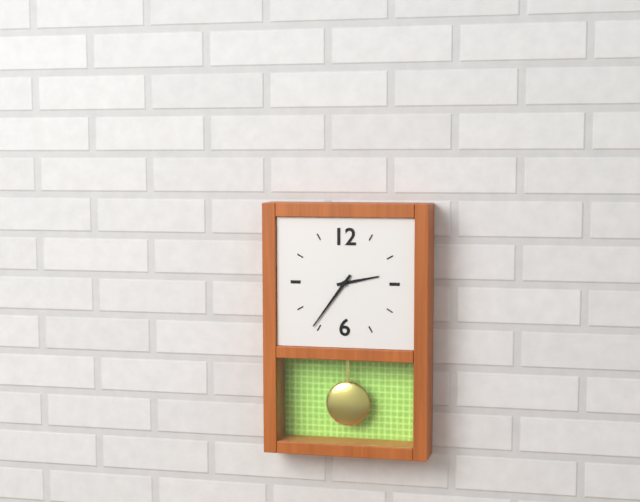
h=2 m=36
